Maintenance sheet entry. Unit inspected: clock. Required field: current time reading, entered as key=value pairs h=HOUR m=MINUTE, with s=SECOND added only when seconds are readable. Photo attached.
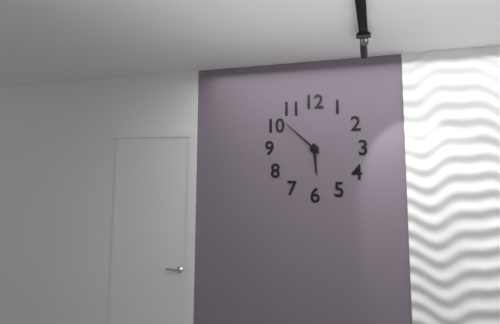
h=5 m=52
